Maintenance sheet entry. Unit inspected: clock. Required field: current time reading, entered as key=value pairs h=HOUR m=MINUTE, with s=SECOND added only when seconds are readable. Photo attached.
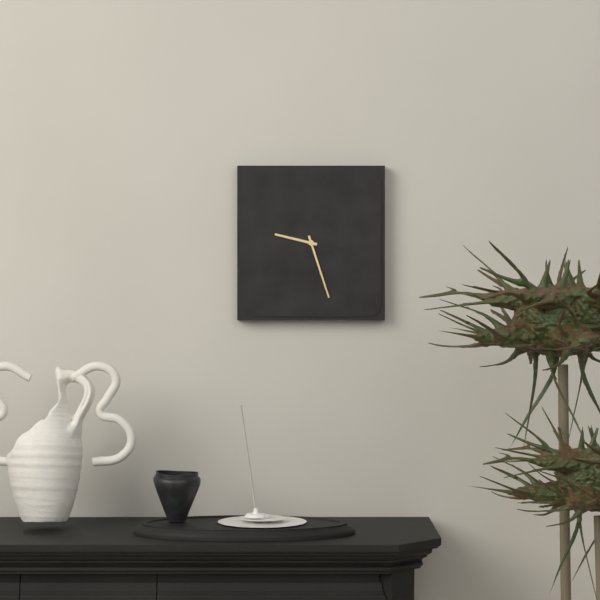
h=9 m=27
